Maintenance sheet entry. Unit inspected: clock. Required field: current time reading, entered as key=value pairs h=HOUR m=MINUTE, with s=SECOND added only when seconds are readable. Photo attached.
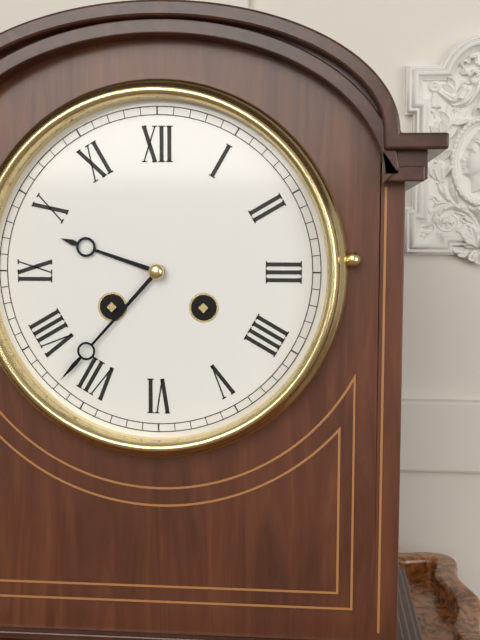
h=9 m=37
